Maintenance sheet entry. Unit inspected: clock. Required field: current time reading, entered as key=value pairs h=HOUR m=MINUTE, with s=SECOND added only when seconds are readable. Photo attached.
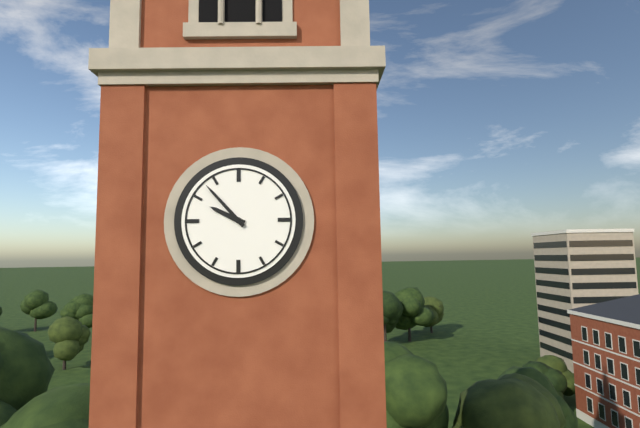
h=9 m=53
